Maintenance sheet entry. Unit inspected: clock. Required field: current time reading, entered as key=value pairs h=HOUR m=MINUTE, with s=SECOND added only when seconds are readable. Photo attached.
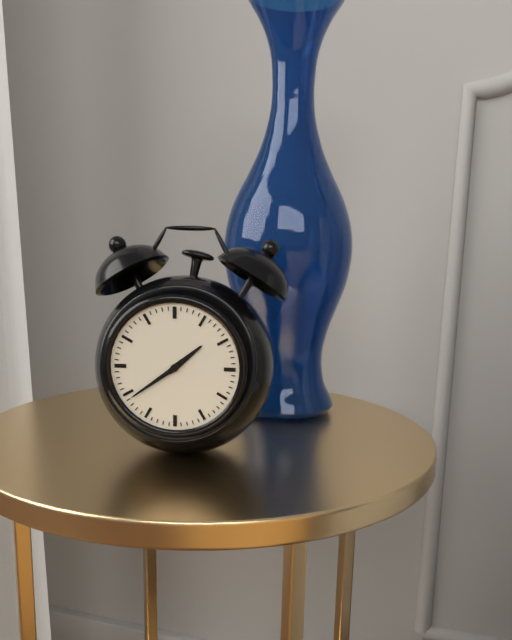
h=1 m=39
